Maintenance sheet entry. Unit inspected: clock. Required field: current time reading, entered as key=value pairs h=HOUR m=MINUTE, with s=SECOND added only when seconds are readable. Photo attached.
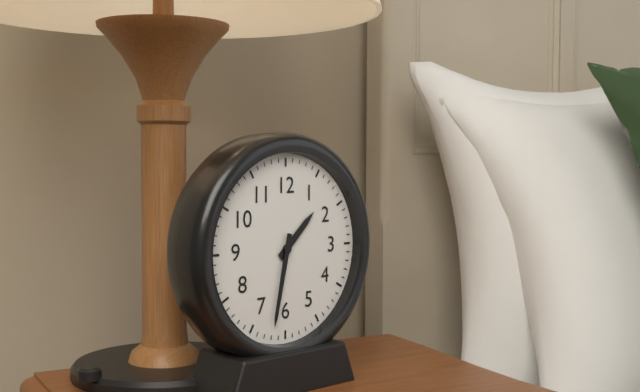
h=1 m=32
